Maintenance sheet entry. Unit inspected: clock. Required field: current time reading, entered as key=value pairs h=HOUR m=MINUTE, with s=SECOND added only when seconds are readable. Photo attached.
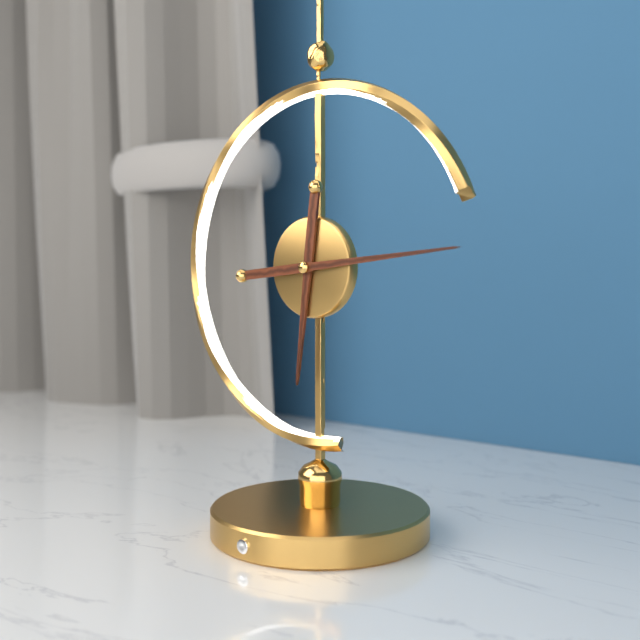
h=6 m=14
